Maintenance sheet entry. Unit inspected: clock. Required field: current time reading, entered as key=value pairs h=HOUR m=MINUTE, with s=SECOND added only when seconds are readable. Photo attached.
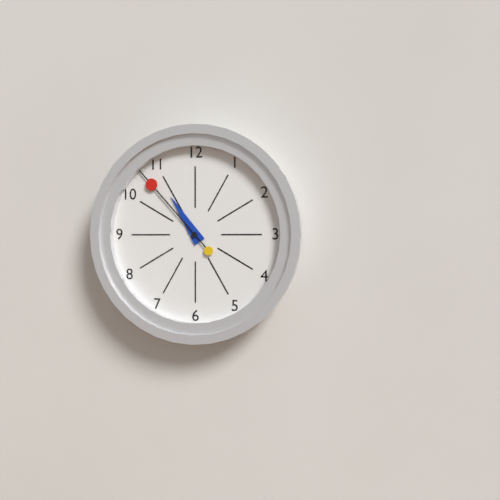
h=10 m=53
